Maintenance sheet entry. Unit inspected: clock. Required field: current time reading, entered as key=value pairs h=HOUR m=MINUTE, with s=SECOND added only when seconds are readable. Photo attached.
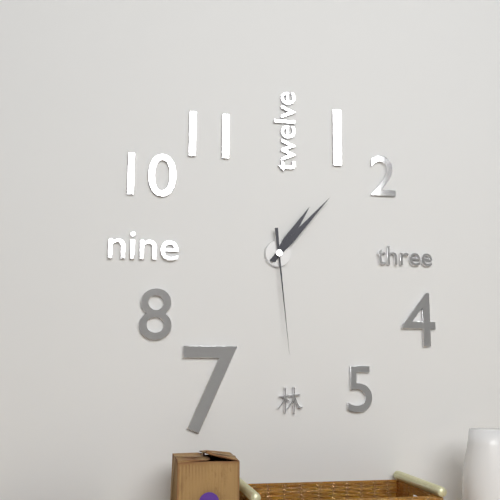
h=1 m=7 s=29
